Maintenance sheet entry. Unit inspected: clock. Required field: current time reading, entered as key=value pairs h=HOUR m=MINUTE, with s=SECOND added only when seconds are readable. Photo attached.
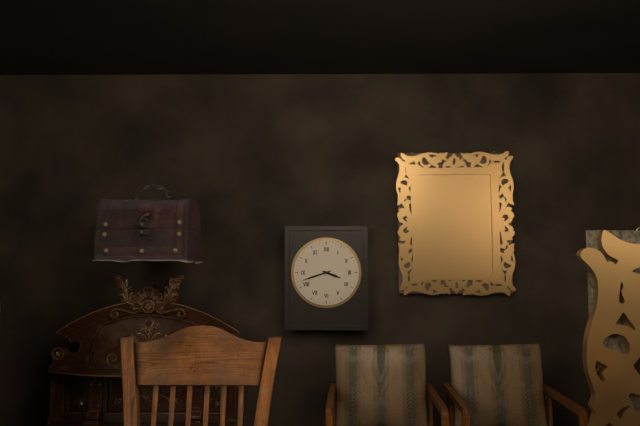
h=3 m=42
